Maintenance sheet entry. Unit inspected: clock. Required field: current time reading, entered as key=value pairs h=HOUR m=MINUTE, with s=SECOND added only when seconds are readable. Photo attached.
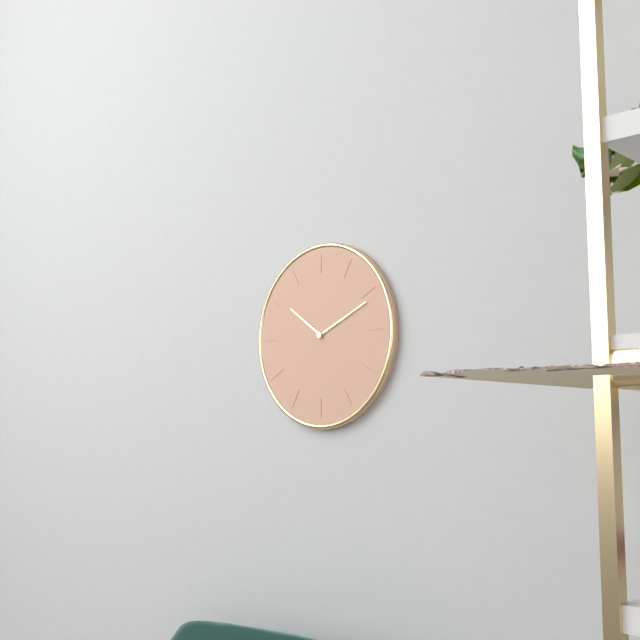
h=10 m=11
